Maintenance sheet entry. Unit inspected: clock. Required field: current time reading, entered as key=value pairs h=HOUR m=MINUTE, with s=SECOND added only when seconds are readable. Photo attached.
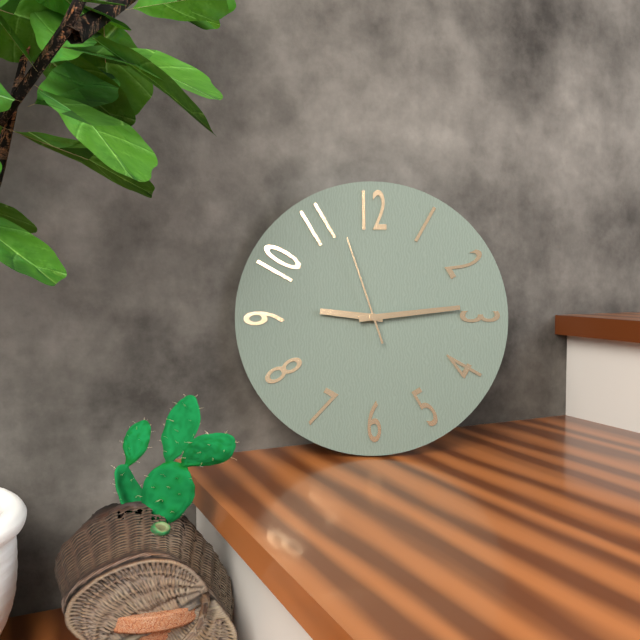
h=9 m=14 s=57
